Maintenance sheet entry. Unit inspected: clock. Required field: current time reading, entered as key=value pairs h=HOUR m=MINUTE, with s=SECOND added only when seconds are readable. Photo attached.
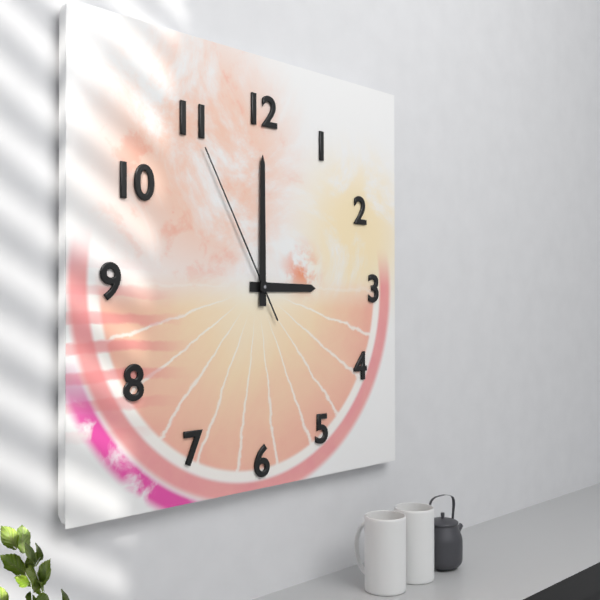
h=3 m=0 s=55
